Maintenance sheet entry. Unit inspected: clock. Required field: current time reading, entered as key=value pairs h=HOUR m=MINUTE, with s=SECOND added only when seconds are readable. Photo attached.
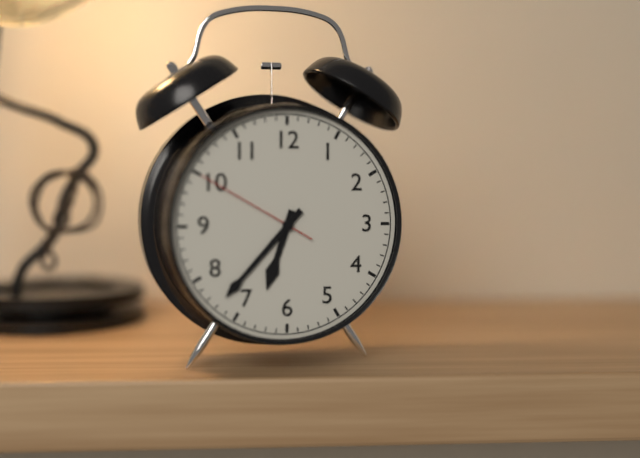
h=6 m=37 s=50
